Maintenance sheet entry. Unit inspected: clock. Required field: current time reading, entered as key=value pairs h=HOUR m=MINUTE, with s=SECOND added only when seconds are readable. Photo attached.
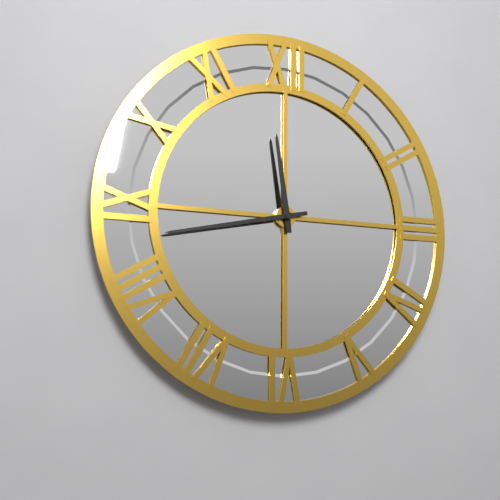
h=11 m=43
